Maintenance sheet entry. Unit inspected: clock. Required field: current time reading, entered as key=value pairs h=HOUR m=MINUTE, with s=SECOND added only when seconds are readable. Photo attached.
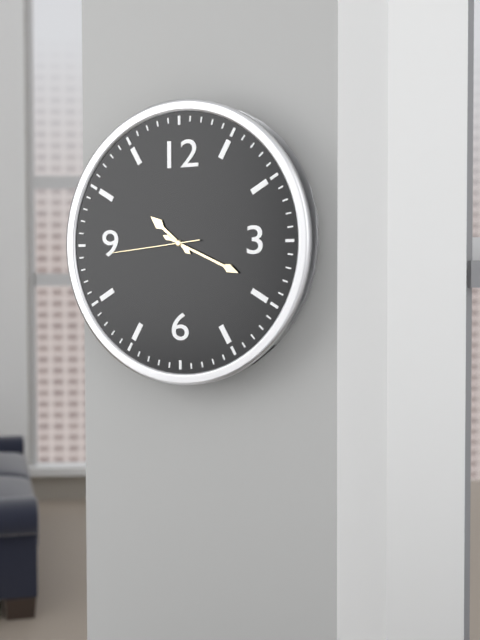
h=10 m=19 s=44
